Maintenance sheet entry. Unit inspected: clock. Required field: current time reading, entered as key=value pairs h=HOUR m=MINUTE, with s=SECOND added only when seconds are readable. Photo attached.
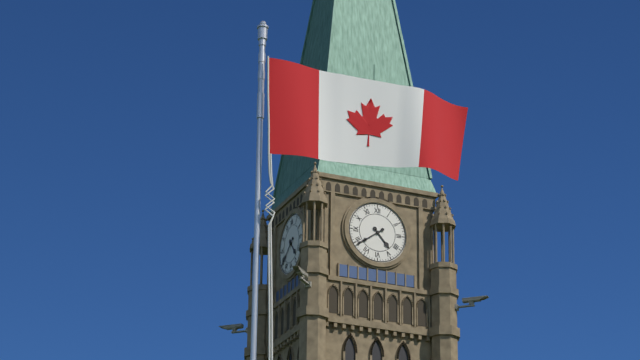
h=4 m=39
